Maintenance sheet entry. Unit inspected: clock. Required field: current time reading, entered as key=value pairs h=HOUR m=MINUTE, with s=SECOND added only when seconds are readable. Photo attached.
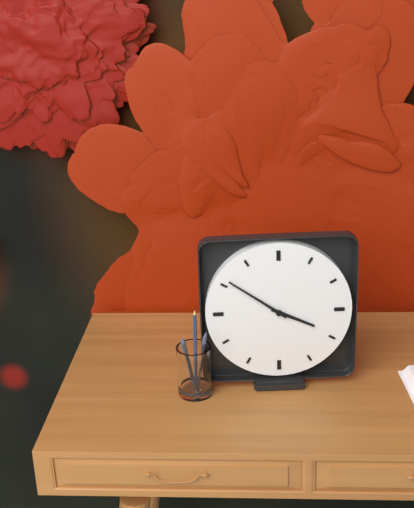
h=3 m=51
